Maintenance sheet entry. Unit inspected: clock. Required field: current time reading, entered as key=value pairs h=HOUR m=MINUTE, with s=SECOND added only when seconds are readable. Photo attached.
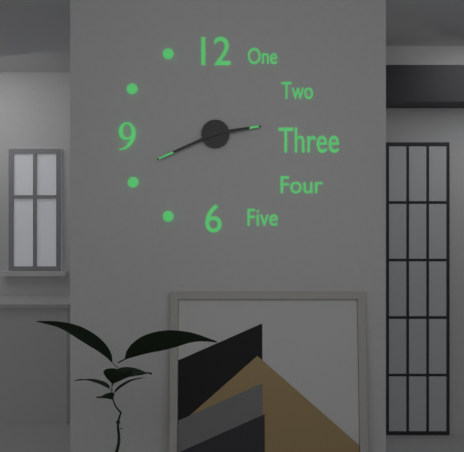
h=2 m=41
